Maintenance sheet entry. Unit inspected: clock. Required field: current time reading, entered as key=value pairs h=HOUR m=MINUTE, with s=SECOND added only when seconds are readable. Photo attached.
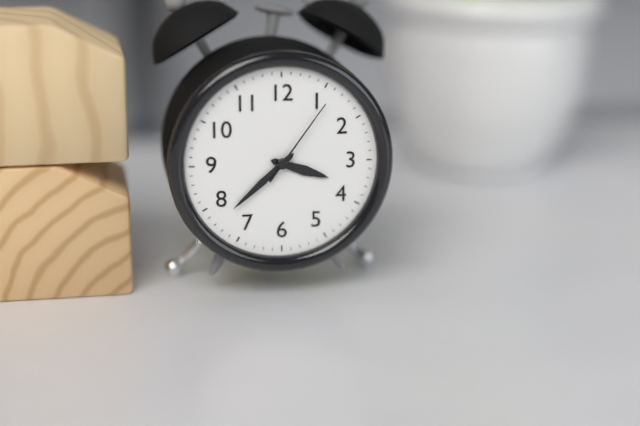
h=3 m=38 s=6
